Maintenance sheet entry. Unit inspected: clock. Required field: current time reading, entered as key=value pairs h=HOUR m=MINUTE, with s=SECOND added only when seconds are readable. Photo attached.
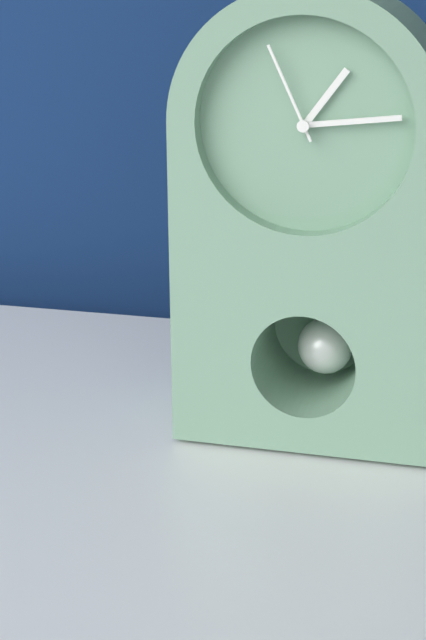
h=1 m=14 s=56
